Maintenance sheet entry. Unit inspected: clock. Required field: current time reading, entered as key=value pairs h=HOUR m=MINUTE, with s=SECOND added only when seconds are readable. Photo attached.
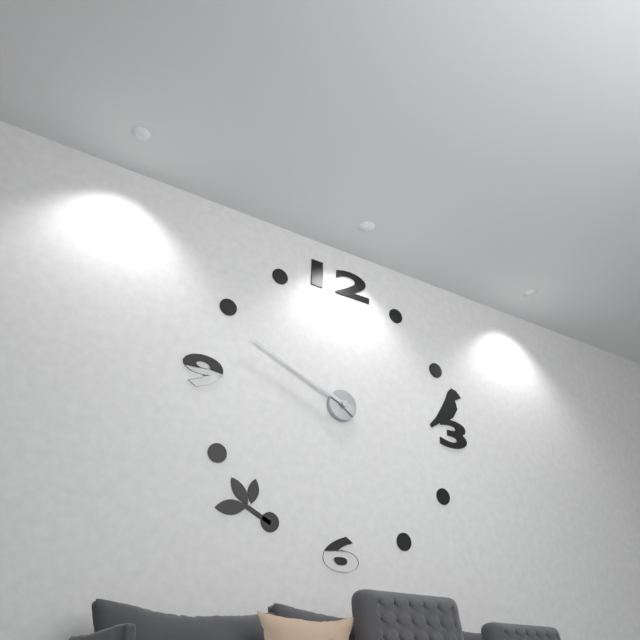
h=9 m=49
